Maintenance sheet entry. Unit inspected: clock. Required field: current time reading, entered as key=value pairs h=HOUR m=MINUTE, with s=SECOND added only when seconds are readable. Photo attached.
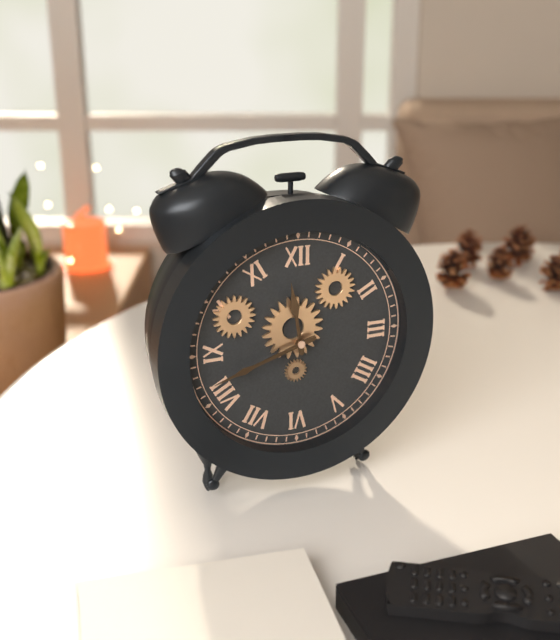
h=11 m=42
